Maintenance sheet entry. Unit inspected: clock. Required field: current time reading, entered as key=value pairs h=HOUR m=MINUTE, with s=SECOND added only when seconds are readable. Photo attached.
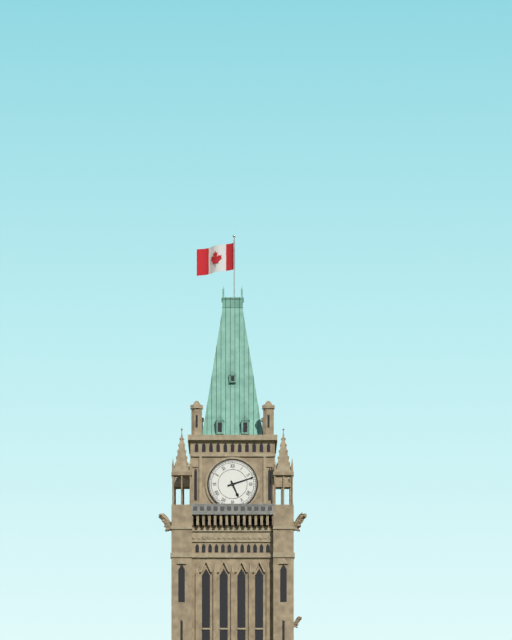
h=5 m=12
